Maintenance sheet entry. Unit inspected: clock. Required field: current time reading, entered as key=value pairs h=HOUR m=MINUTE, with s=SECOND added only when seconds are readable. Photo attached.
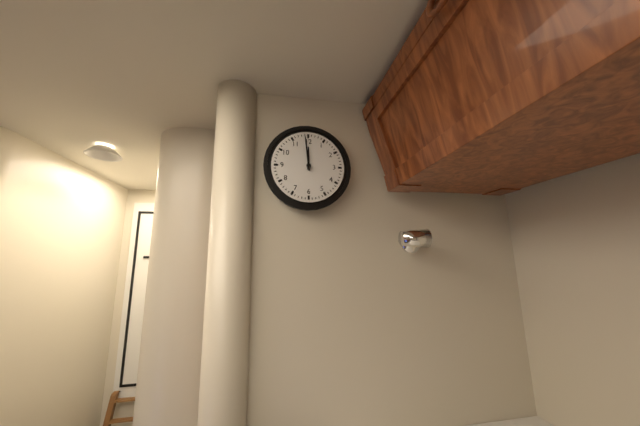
h=11 m=59
